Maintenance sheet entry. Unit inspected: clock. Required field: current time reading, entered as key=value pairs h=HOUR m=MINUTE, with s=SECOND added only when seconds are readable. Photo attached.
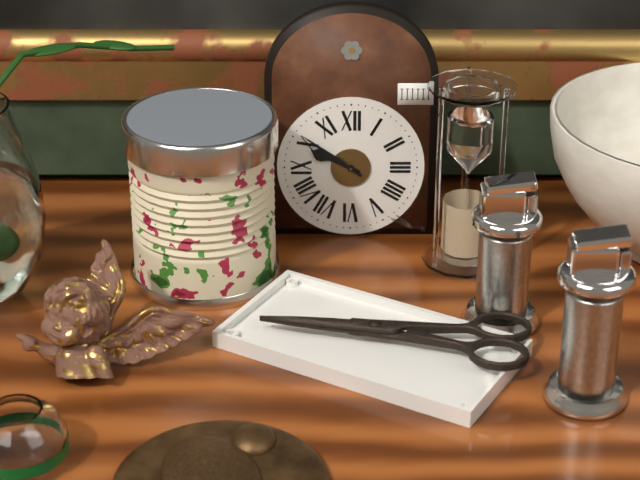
h=9 m=51
